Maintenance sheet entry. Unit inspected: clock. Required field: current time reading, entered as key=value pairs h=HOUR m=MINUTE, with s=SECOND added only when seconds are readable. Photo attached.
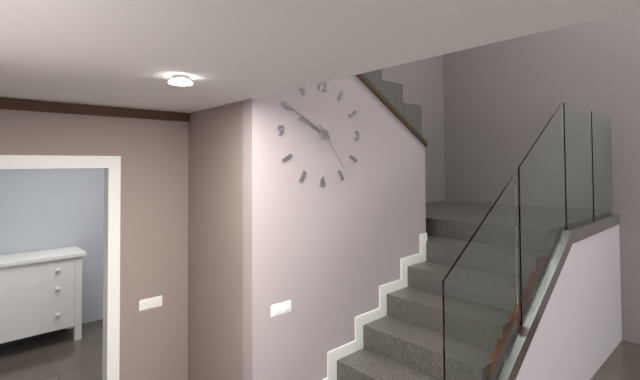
h=9 m=50
